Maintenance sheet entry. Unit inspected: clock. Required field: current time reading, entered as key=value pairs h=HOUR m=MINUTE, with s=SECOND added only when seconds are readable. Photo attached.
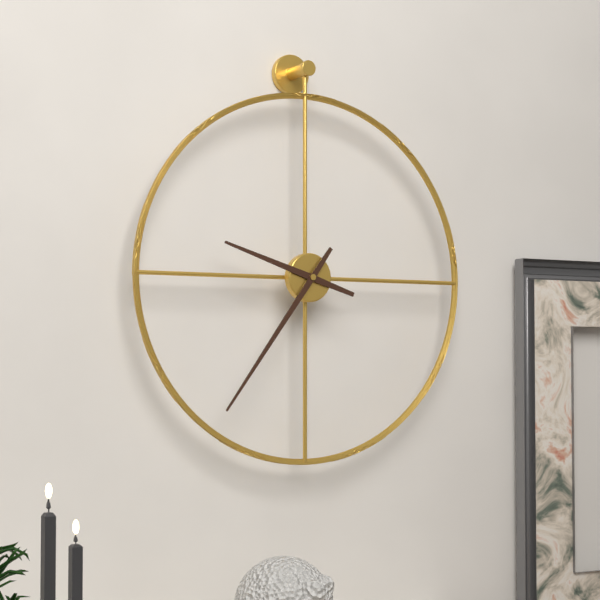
h=9 m=36
